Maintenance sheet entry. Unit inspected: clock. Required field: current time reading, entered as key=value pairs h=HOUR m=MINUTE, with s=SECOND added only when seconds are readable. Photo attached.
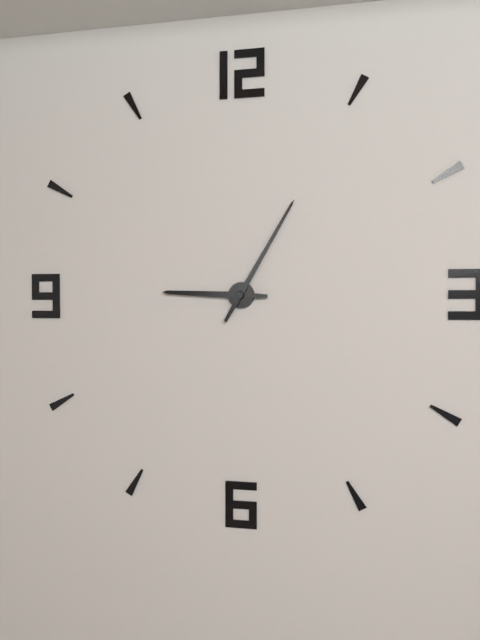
h=9 m=5
